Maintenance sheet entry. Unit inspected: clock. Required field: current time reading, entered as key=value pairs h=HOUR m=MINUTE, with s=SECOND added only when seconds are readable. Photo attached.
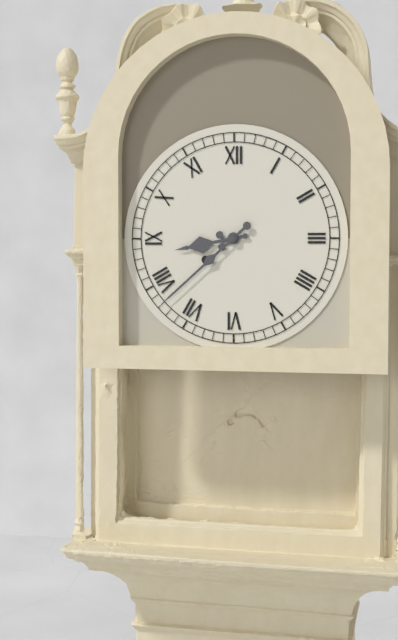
h=8 m=38
